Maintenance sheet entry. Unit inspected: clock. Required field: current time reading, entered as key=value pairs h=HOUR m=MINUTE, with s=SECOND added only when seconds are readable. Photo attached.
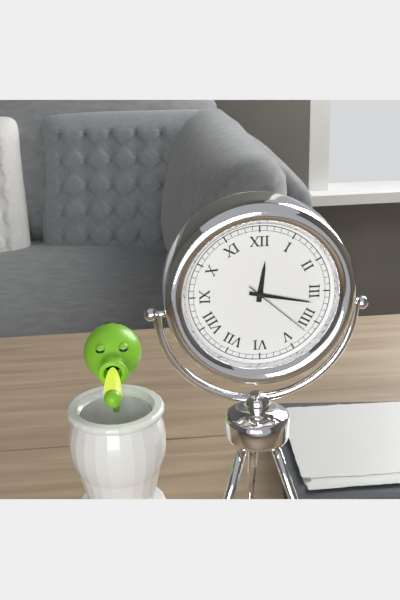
h=12 m=17 s=22
